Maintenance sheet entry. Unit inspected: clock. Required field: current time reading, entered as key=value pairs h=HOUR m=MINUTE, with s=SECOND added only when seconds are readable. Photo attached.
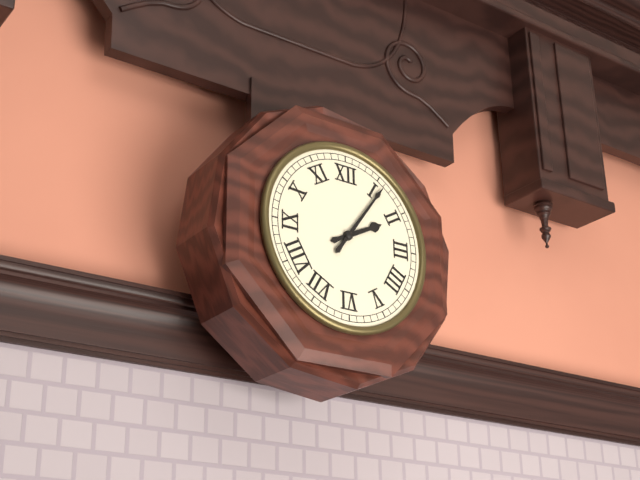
h=2 m=6
